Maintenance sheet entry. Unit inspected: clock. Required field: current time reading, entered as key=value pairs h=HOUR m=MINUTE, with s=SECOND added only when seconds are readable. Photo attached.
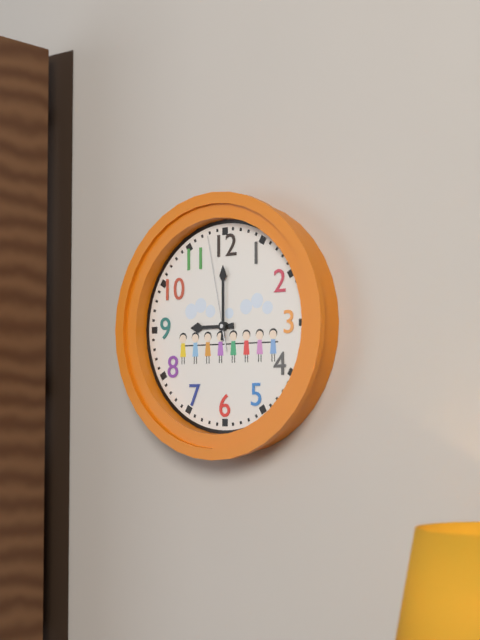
h=9 m=0 s=58
